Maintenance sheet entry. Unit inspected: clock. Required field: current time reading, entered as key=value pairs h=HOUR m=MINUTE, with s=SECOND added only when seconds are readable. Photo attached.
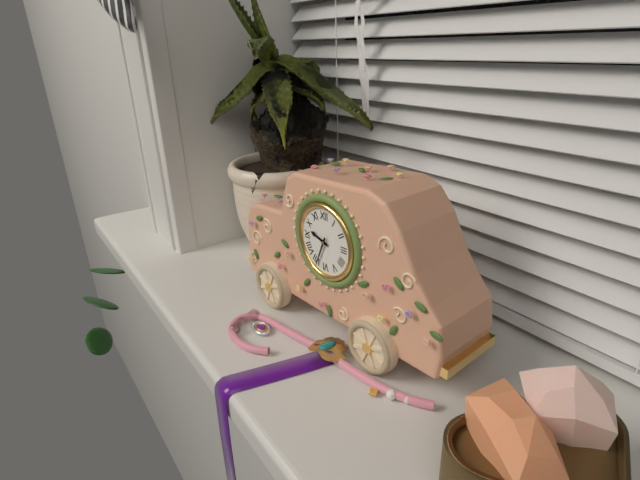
h=9 m=34
